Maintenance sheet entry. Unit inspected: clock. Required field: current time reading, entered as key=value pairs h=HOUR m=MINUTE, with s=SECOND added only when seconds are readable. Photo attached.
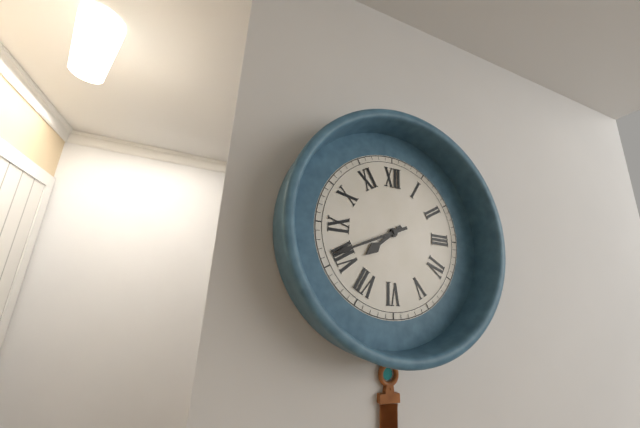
h=7 m=41
